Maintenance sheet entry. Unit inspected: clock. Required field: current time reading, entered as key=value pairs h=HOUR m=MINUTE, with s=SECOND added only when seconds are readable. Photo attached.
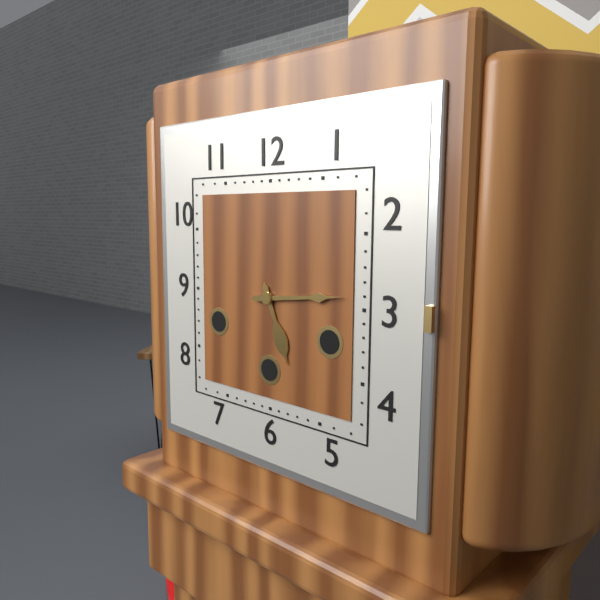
h=5 m=14
